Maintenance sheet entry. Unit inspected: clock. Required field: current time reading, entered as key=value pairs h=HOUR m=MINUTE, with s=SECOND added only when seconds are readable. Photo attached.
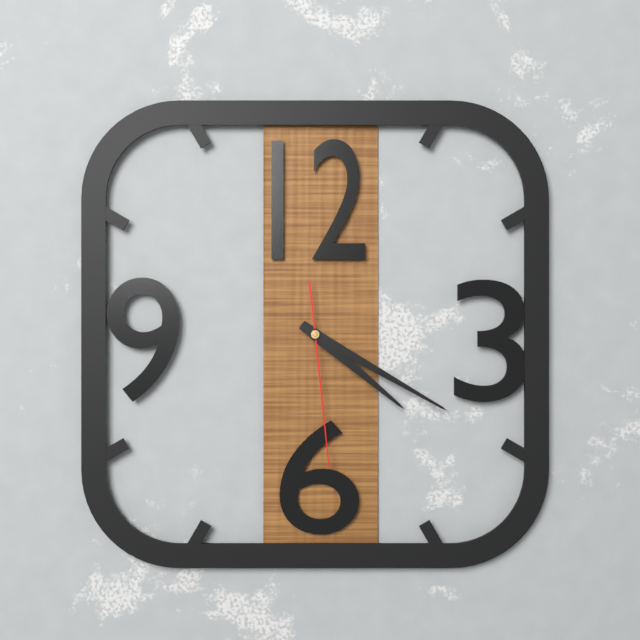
h=4 m=20 s=29
